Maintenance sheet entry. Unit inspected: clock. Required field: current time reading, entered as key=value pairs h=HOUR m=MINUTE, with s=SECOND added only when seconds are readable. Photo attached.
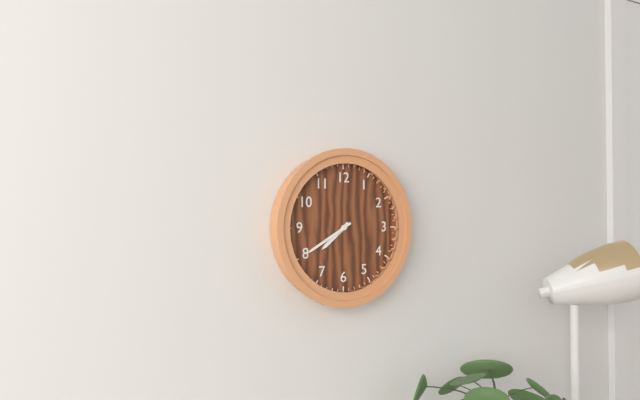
h=7 m=40
